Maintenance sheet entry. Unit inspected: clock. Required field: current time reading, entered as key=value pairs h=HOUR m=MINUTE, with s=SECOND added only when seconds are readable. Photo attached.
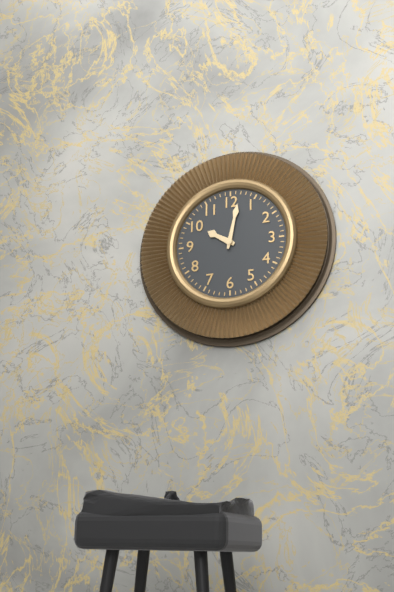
h=10 m=2
